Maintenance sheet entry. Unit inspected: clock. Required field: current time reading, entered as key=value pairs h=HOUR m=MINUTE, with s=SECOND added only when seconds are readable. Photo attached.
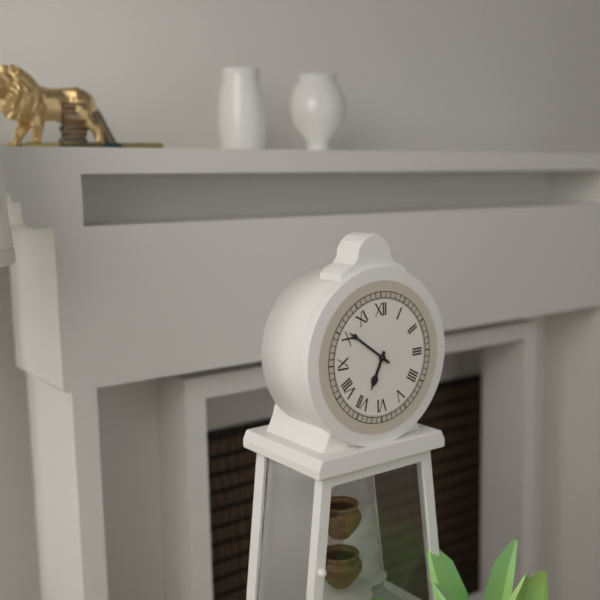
h=6 m=51
